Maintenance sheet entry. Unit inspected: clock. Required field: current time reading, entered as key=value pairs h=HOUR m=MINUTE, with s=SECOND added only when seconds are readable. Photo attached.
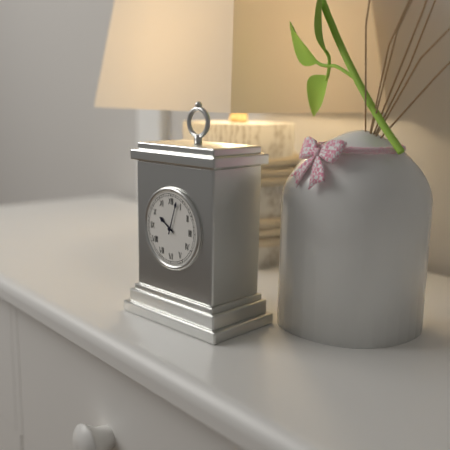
h=10 m=3
